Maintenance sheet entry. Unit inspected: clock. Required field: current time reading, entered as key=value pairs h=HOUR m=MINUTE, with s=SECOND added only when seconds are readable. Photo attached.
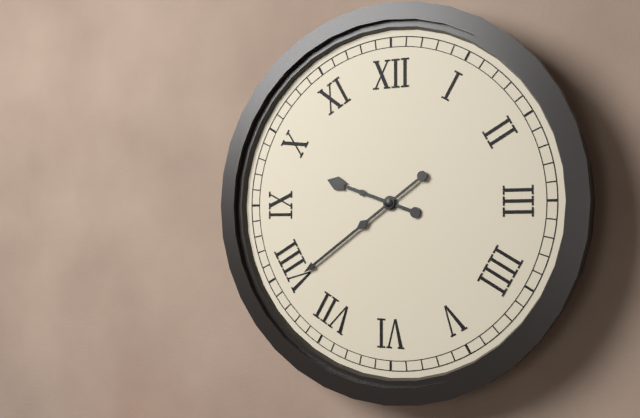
h=9 m=39
